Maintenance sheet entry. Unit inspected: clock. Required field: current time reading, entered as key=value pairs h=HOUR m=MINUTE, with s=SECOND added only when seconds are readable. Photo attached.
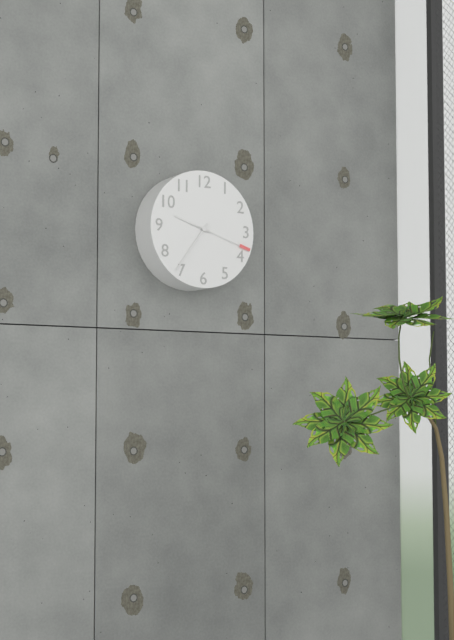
h=9 m=36 s=18
